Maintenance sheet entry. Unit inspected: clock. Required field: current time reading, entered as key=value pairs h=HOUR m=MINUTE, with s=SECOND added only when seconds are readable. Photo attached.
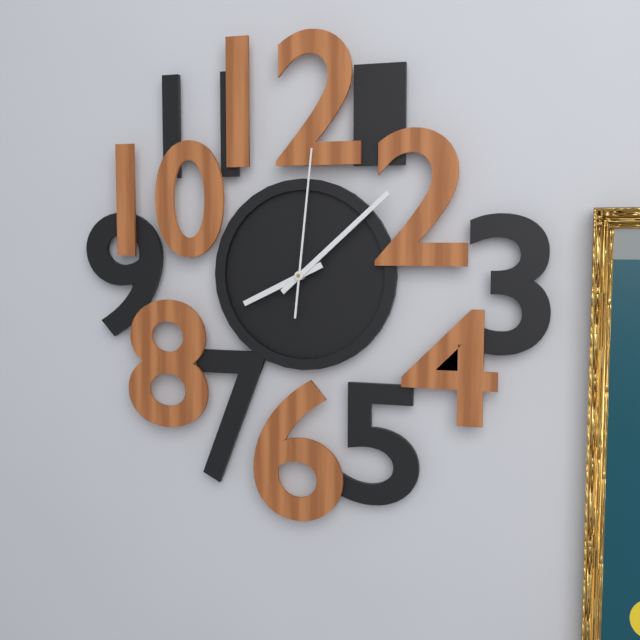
h=8 m=8 s=1
